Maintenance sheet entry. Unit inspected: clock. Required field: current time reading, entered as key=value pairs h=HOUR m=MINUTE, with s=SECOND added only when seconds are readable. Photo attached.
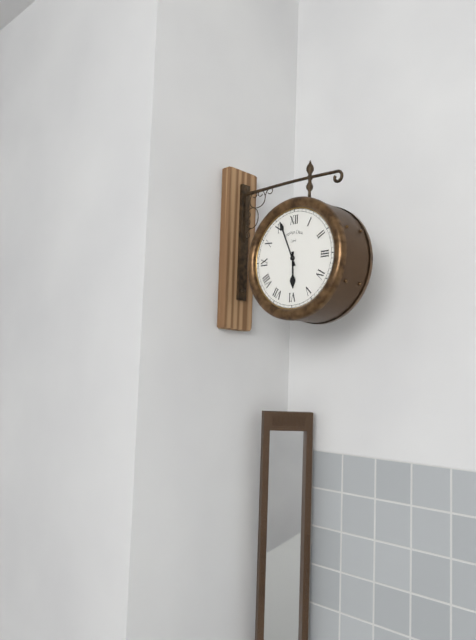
h=5 m=56
